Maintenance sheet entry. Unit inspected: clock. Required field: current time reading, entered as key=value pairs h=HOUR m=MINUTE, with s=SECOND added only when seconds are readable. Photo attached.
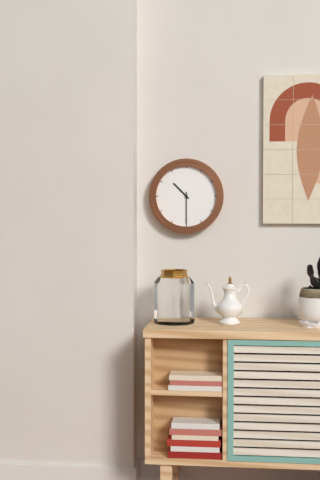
h=10 m=30
